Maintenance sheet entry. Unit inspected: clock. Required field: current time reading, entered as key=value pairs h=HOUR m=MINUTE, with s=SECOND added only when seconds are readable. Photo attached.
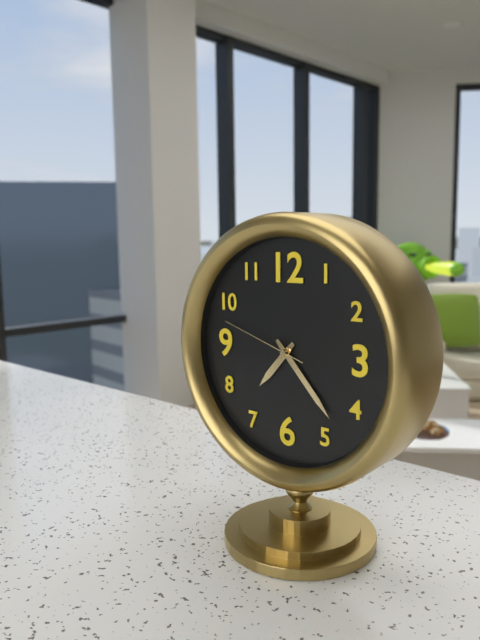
h=7 m=23 s=48
